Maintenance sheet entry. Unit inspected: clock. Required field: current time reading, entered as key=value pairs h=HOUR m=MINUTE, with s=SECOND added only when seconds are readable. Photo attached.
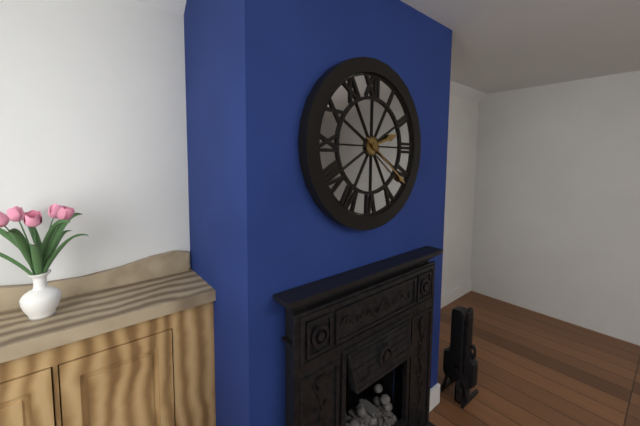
h=2 m=21
